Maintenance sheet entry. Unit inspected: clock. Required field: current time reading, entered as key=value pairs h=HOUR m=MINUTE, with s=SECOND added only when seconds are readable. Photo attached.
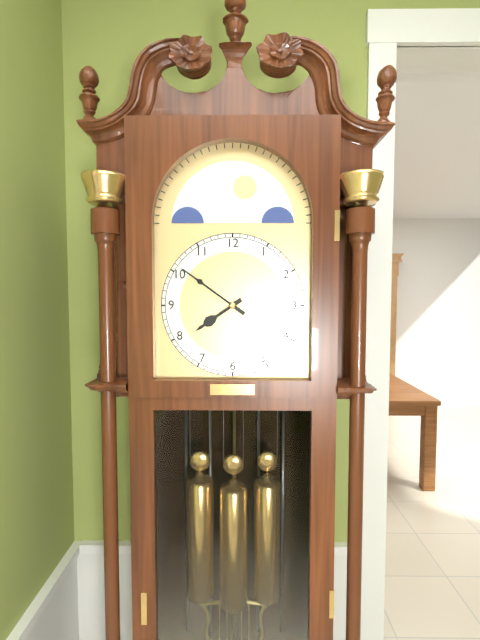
h=7 m=51
